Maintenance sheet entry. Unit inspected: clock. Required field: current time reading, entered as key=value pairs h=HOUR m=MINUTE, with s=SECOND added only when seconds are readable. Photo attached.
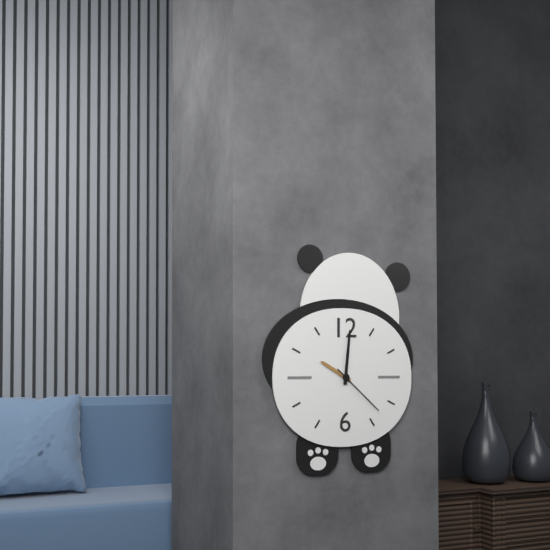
h=10 m=1 s=22
